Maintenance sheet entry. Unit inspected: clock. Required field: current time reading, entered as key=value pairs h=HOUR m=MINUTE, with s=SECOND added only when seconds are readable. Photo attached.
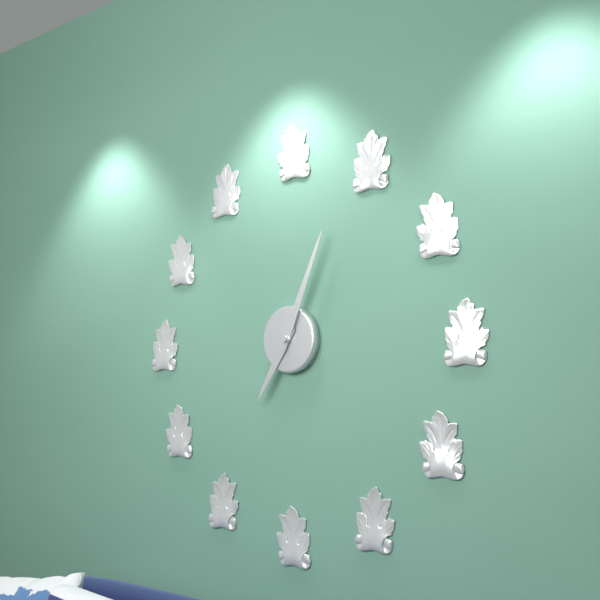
h=7 m=4
